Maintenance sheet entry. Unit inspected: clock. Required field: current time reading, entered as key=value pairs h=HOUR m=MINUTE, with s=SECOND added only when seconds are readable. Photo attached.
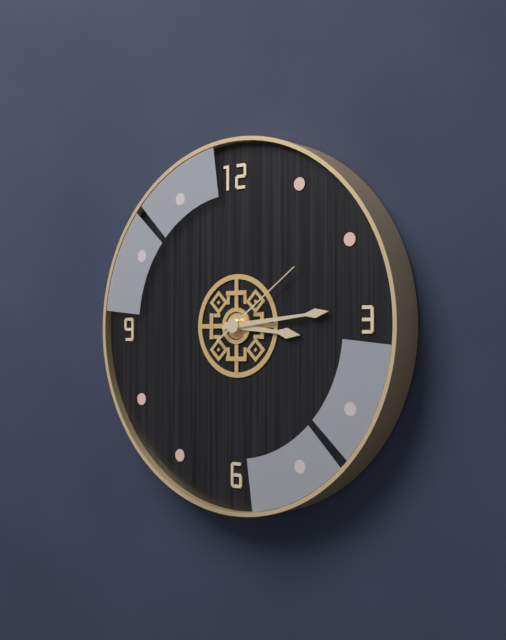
h=3 m=14 s=9
